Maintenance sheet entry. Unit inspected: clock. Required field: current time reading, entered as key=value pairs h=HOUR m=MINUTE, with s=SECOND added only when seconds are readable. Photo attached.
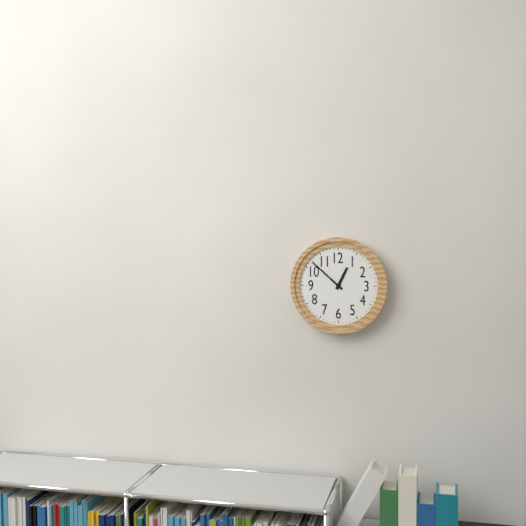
h=12 m=52
